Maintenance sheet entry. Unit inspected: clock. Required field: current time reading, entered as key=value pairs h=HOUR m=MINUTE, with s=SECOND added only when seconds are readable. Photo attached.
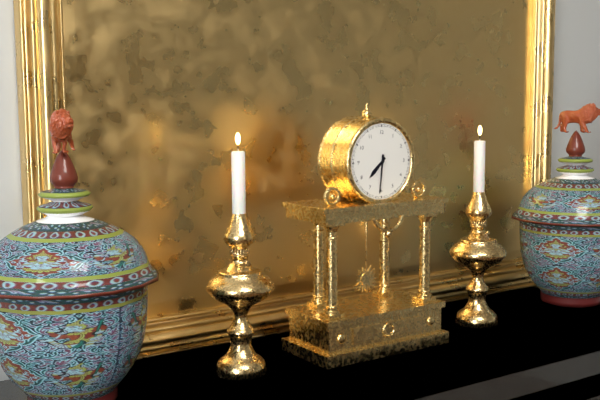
h=7 m=31
